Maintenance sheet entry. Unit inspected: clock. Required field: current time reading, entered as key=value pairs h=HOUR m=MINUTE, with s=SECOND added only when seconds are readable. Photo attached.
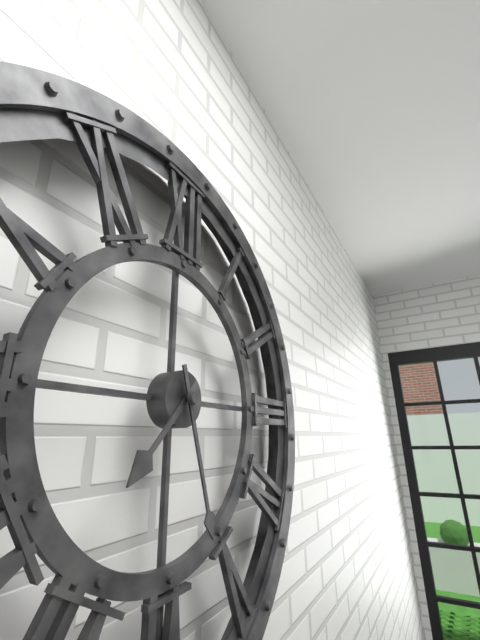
h=7 m=27
